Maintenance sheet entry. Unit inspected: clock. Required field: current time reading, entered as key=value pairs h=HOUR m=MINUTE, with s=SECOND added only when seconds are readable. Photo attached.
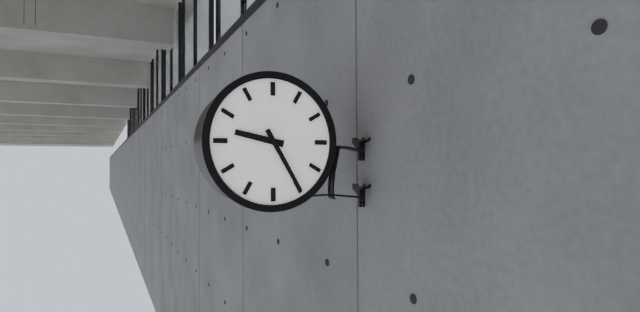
h=9 m=25
